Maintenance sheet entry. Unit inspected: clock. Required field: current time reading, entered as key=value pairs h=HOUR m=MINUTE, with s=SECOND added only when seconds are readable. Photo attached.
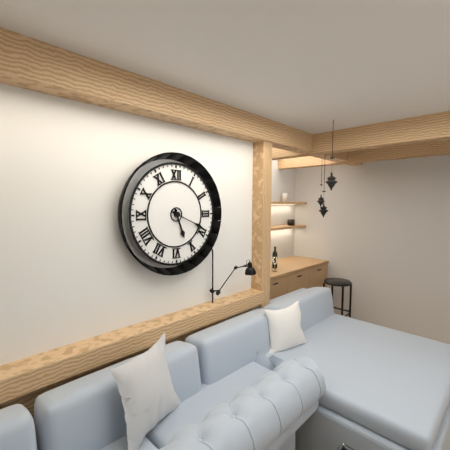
h=5 m=19
